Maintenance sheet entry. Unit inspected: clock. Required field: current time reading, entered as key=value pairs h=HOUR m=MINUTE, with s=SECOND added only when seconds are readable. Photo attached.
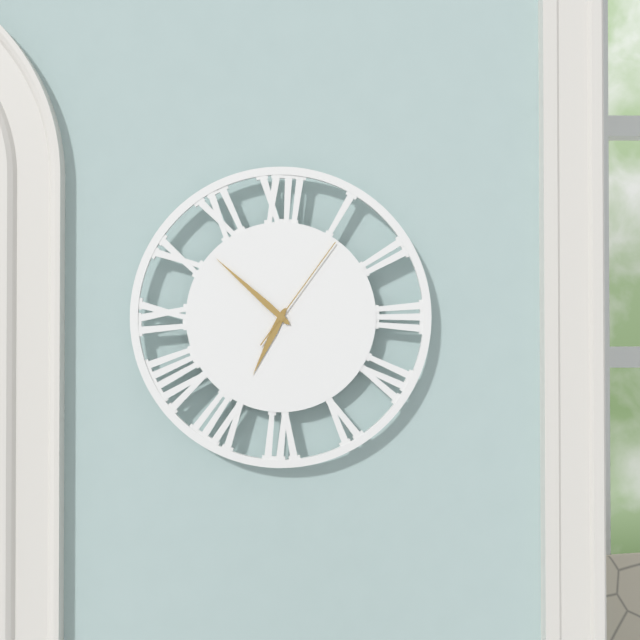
h=6 m=52 s=6
